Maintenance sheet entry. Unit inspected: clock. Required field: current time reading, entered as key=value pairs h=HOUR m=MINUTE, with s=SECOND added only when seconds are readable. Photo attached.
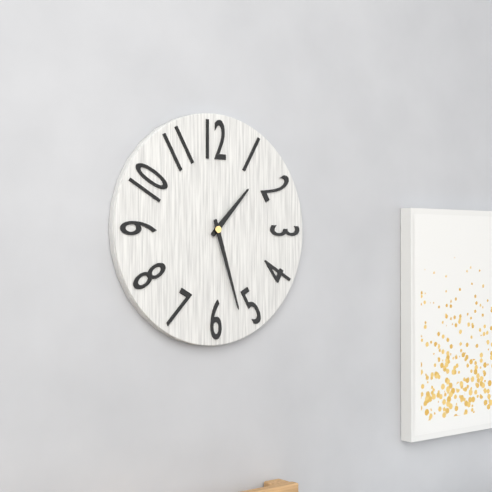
h=1 m=27
